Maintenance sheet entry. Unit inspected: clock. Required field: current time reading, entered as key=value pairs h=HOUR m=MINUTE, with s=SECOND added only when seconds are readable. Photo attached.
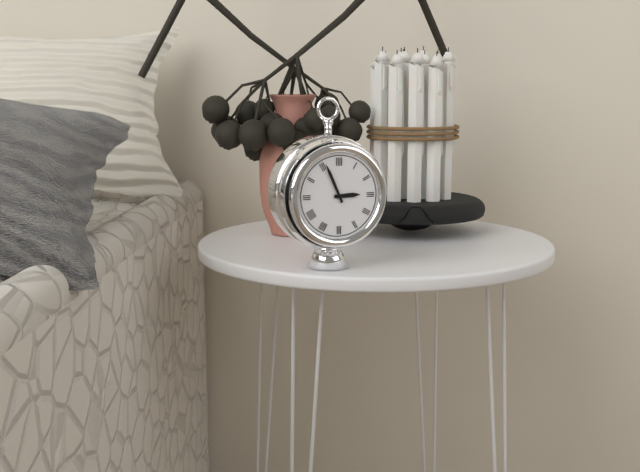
h=2 m=56
